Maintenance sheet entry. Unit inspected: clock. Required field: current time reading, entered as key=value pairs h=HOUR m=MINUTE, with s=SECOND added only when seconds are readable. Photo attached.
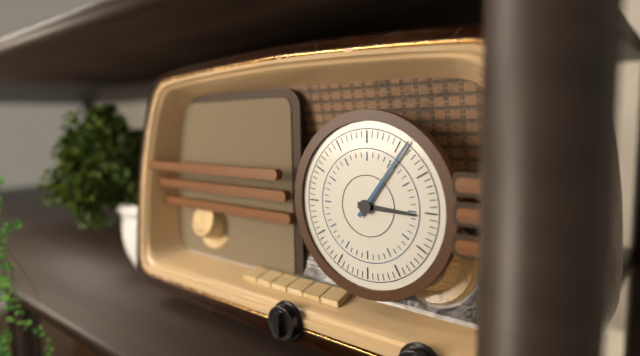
h=3 m=6
